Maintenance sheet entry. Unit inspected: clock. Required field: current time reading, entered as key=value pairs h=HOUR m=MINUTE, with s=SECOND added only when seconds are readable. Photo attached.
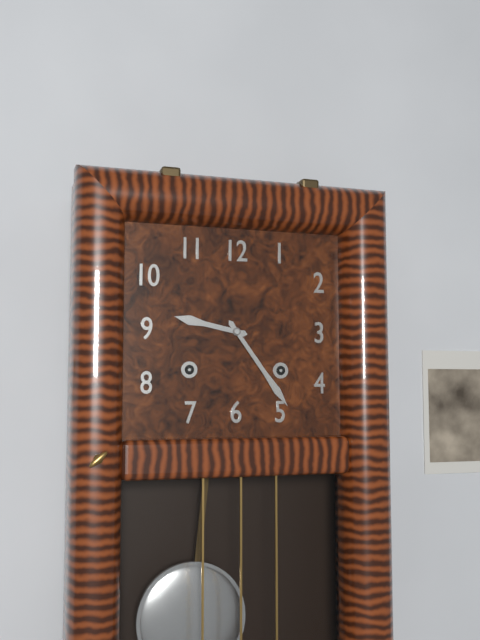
h=9 m=24
